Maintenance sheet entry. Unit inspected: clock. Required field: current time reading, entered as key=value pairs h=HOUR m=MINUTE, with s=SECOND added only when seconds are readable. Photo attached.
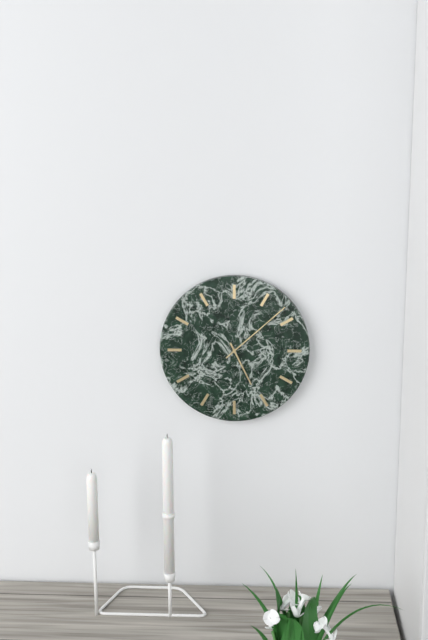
h=5 m=8
